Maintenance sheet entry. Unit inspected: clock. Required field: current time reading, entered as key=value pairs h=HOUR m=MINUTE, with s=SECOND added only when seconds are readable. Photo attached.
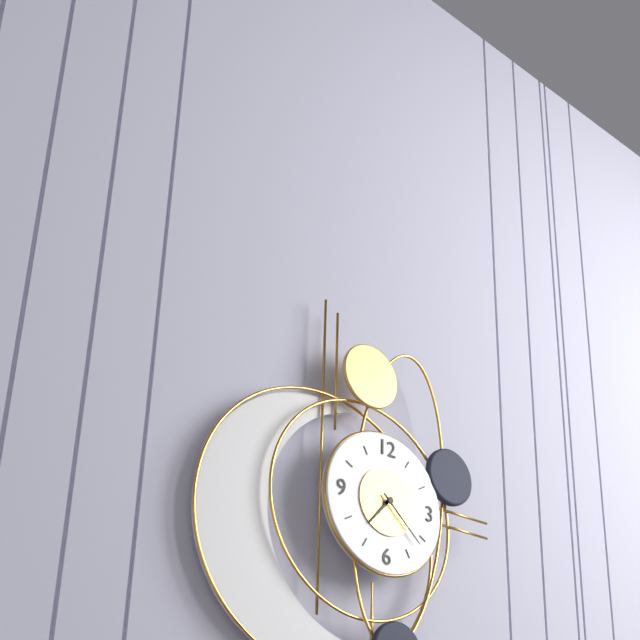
h=7 m=22
